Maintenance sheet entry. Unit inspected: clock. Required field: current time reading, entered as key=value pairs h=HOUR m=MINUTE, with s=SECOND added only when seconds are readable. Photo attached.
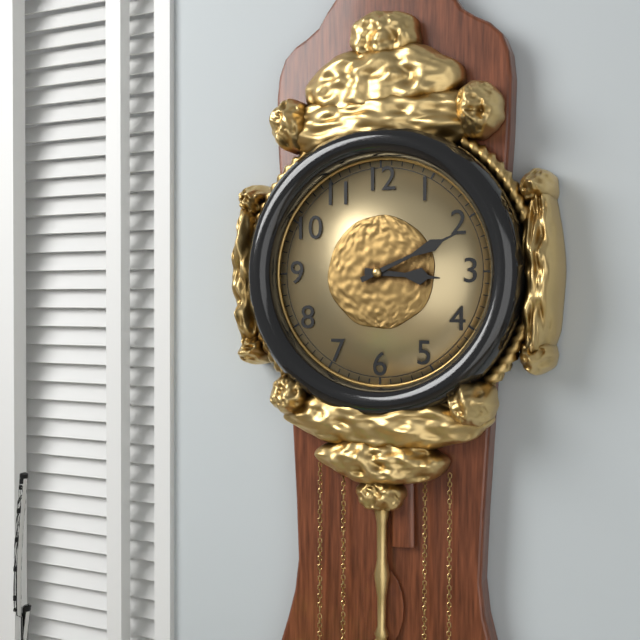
h=3 m=11
